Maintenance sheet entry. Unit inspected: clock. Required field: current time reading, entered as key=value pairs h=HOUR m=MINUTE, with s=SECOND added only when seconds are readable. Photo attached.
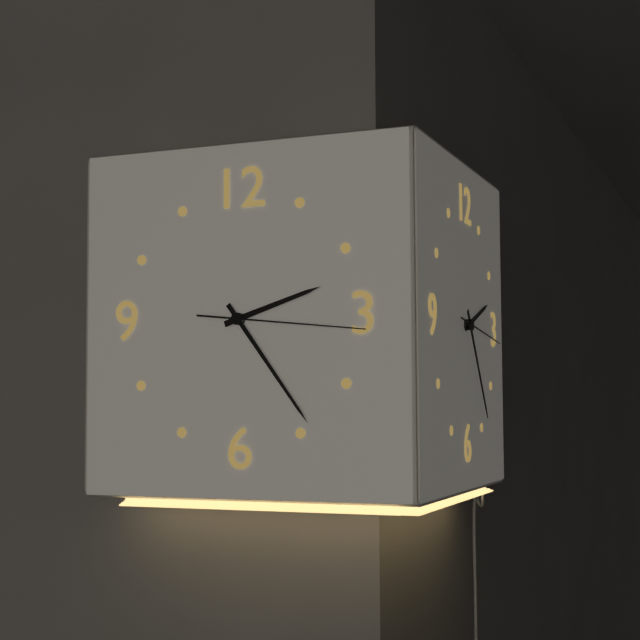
h=2 m=24 s=16
